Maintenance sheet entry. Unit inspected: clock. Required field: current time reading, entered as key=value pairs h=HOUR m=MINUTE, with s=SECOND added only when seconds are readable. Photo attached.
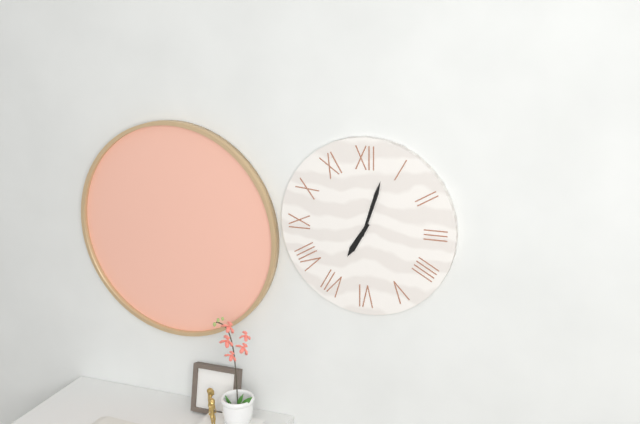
h=7 m=3
